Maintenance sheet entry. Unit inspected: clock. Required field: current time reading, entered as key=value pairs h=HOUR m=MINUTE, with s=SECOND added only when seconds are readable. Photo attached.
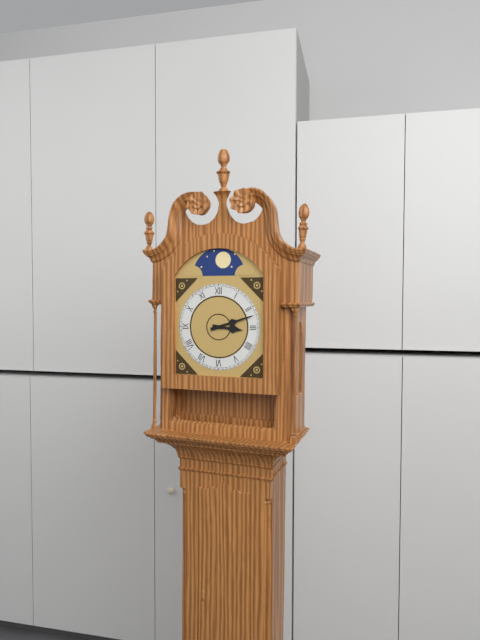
h=3 m=12
